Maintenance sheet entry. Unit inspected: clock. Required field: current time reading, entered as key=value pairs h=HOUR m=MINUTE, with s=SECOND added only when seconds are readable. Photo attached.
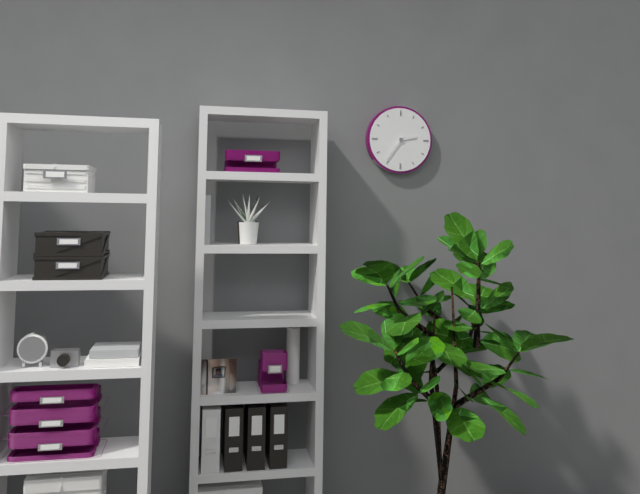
h=2 m=36
